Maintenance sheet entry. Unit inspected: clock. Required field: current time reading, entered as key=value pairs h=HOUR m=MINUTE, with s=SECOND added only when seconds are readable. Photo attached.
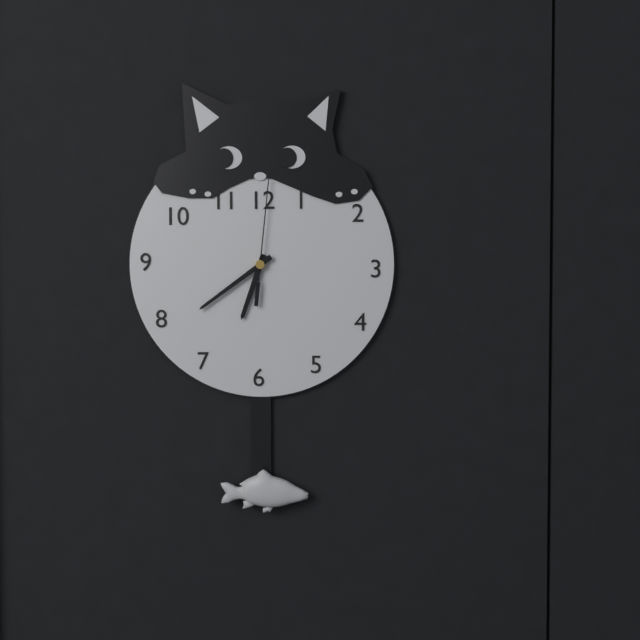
h=6 m=39 s=1
